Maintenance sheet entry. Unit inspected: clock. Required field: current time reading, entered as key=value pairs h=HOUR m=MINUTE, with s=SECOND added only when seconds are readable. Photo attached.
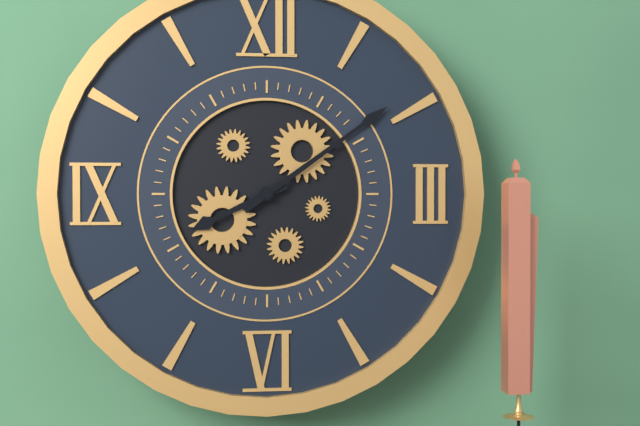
h=8 m=9
